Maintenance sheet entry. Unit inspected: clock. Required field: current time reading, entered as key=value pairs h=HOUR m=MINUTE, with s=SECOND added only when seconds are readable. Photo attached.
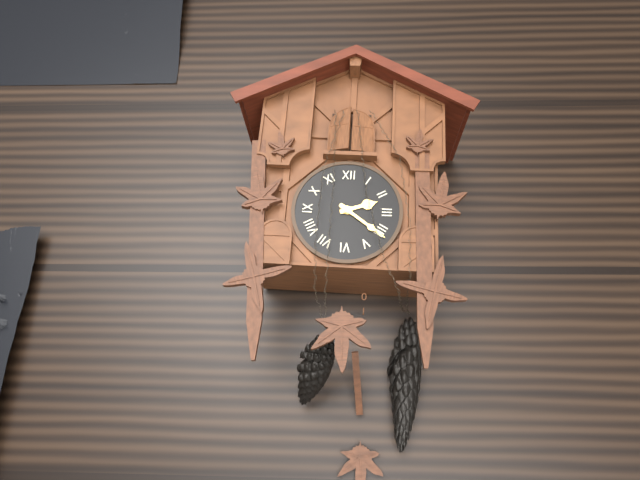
h=2 m=21
